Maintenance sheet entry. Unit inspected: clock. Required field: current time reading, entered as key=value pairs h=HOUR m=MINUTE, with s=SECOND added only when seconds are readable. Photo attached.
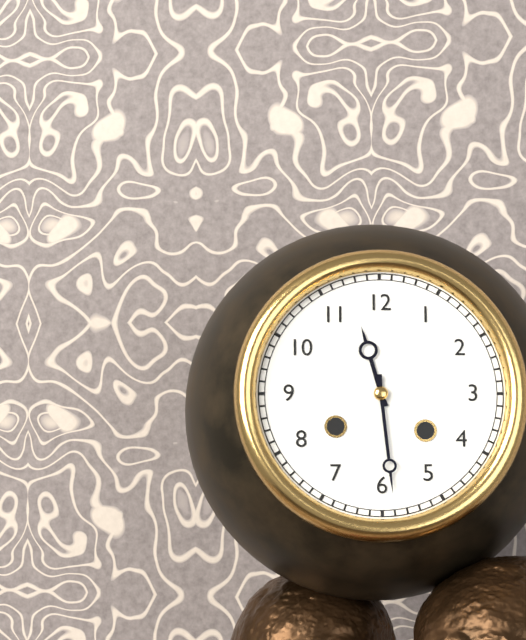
h=11 m=29
